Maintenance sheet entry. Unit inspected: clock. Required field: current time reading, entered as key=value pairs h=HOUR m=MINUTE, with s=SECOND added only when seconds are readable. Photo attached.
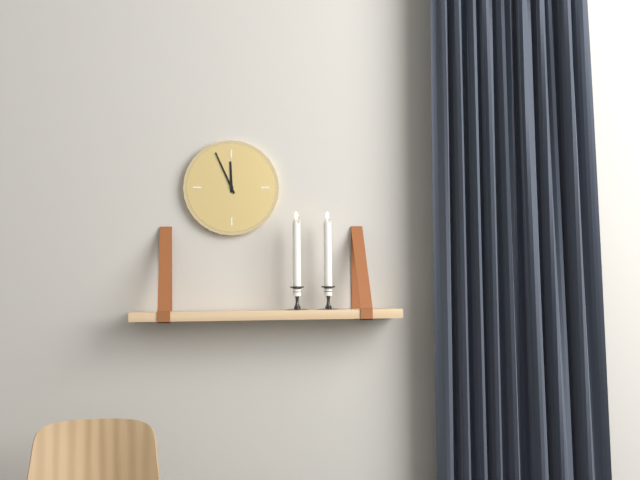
h=11 m=56
